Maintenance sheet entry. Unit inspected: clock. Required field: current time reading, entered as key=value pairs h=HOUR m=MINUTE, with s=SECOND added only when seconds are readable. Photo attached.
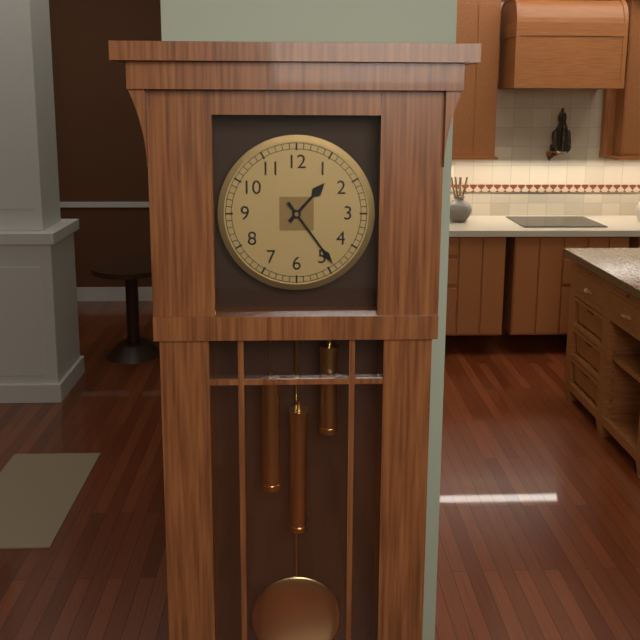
h=1 m=24
